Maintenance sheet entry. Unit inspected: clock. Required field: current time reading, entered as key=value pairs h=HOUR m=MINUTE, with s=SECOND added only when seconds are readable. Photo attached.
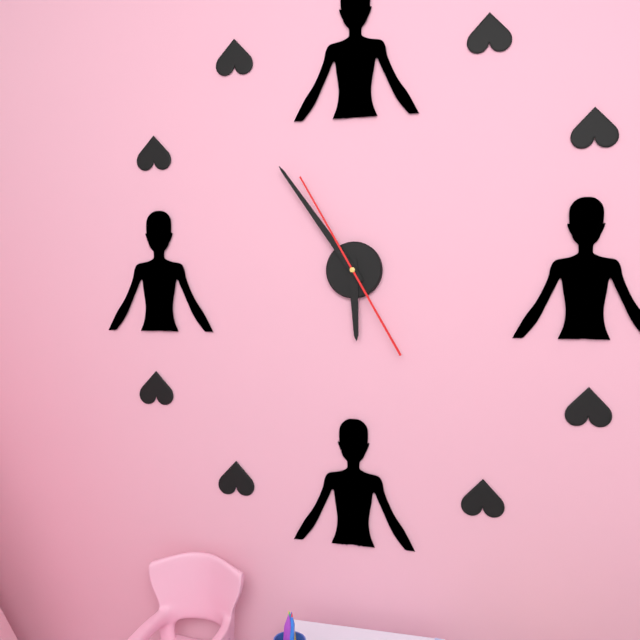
h=5 m=54 s=55
